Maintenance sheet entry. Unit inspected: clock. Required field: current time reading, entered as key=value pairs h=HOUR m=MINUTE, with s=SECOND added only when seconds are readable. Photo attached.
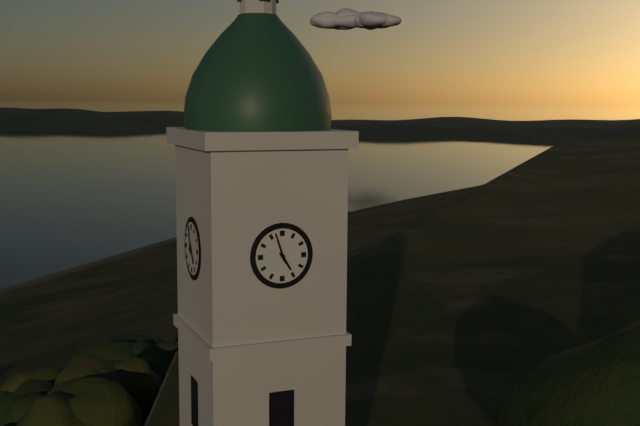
h=4 m=57
